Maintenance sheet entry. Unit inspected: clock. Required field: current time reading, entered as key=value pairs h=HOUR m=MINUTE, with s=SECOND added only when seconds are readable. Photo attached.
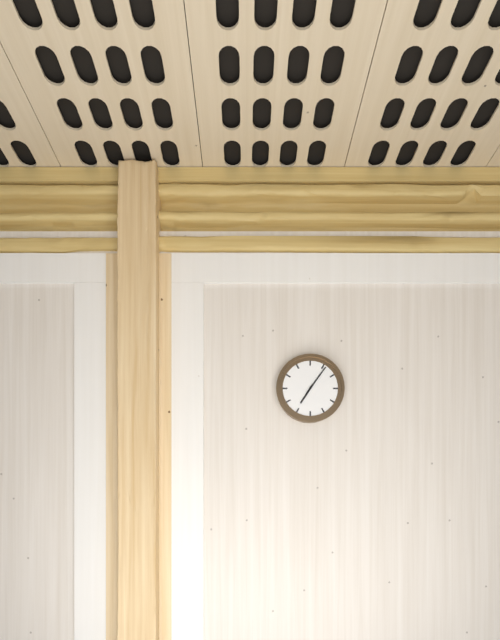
h=7 m=6
